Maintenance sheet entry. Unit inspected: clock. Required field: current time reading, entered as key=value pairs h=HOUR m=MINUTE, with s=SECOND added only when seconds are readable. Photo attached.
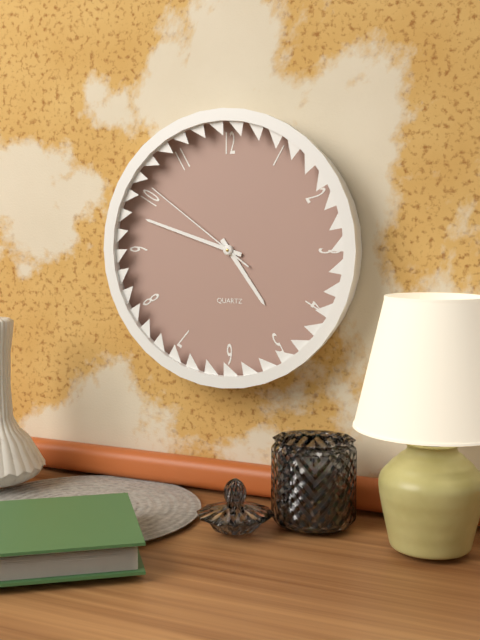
h=4 m=48 s=51
